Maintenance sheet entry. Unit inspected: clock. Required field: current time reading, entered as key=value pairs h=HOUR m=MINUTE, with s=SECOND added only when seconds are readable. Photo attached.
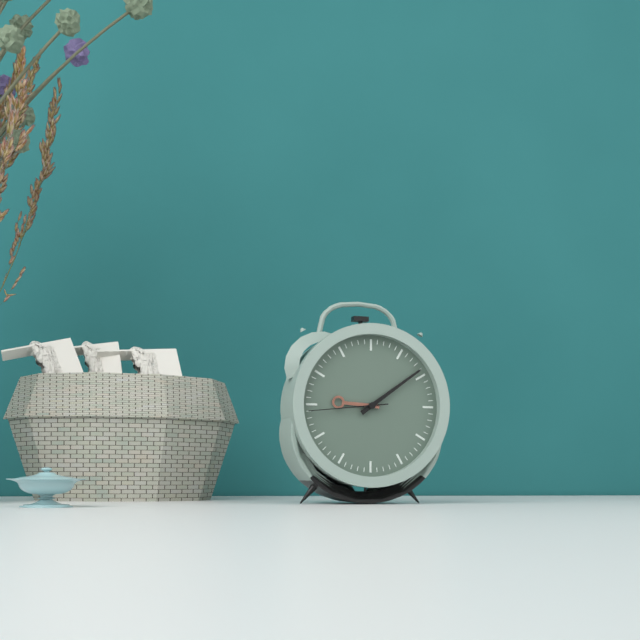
h=9 m=9 s=44
